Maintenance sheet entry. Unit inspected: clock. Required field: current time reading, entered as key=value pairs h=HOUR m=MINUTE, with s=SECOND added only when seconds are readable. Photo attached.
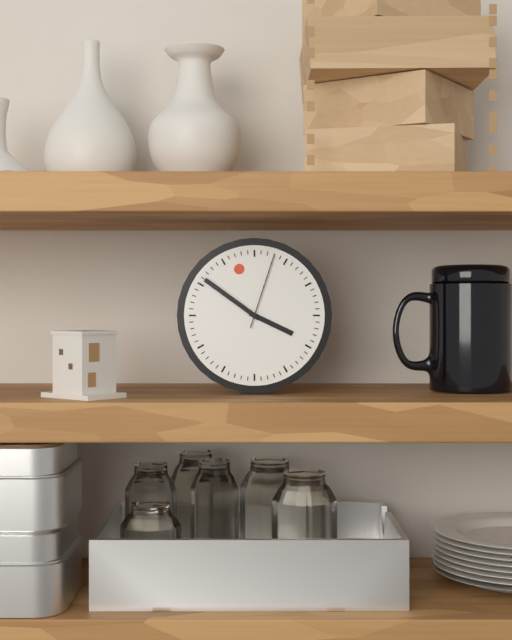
h=3 m=51 s=3
